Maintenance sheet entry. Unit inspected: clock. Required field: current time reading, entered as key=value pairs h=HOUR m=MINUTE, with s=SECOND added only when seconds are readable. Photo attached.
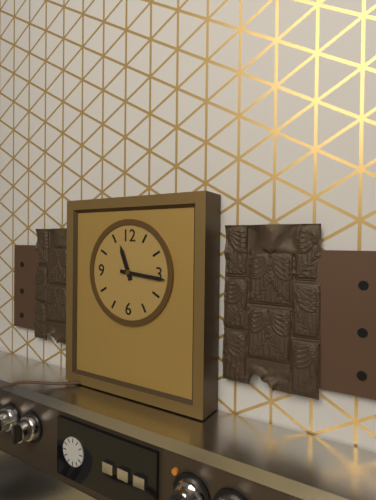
h=11 m=16
